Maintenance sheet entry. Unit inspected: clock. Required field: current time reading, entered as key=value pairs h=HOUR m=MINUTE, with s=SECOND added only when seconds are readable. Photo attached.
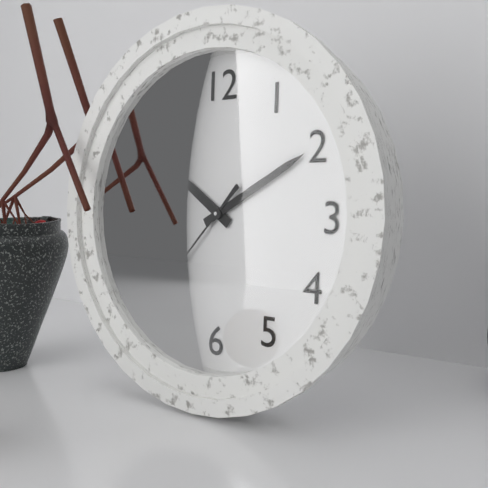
h=10 m=10 s=37
